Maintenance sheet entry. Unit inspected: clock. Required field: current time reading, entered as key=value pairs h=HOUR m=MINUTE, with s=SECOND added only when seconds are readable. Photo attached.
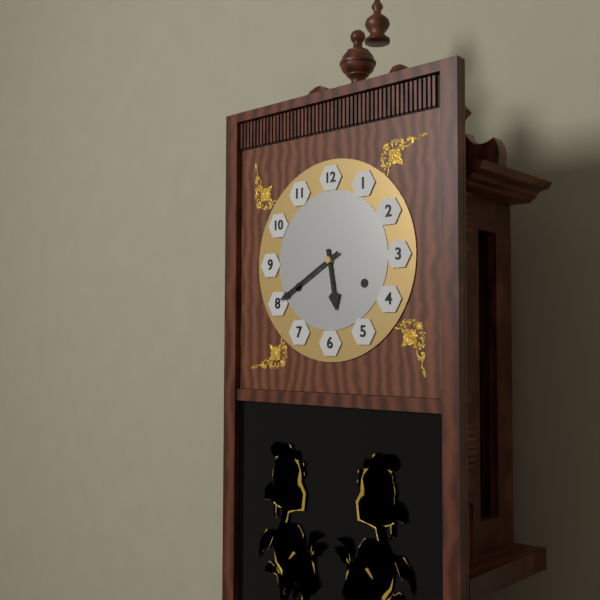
h=5 m=40
